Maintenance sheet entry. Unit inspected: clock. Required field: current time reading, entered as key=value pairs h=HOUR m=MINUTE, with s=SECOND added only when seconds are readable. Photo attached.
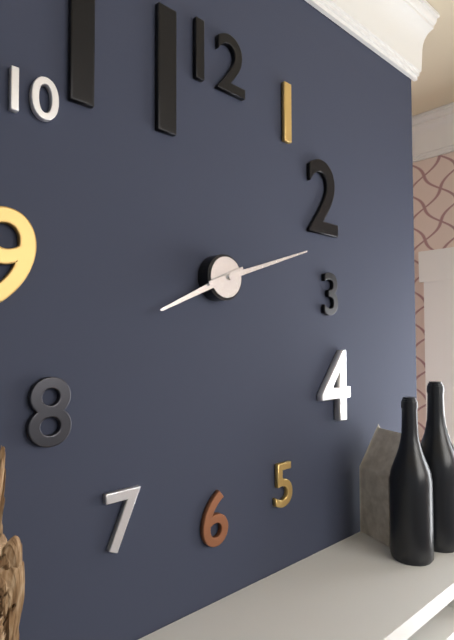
h=8 m=12
